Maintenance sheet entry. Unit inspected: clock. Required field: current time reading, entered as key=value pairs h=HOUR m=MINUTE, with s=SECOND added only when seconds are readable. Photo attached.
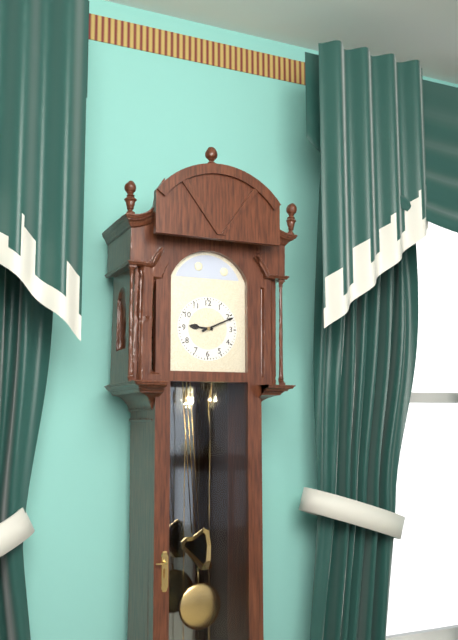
h=9 m=11
